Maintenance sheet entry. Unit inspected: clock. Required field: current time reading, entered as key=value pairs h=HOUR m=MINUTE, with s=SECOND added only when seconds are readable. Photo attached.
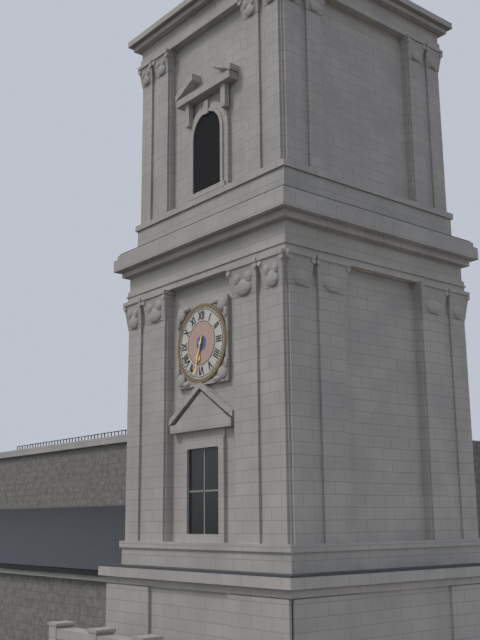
h=6 m=33
